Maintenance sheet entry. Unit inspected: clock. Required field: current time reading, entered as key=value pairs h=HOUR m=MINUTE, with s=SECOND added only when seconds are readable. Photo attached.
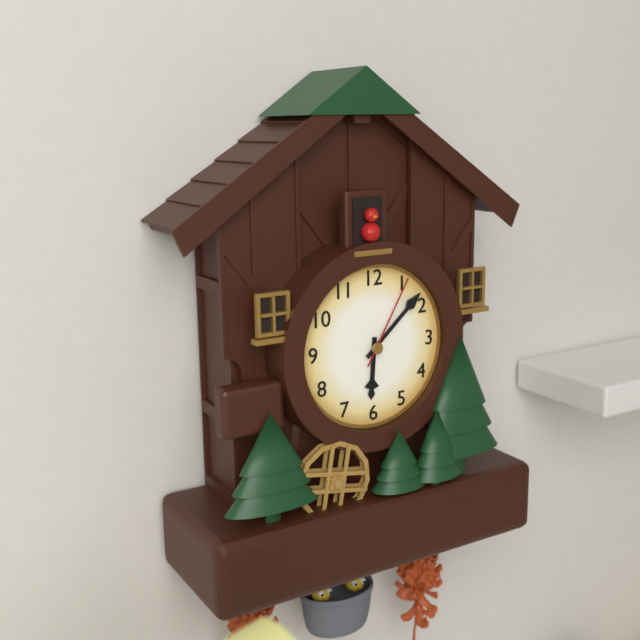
h=6 m=8 s=5
